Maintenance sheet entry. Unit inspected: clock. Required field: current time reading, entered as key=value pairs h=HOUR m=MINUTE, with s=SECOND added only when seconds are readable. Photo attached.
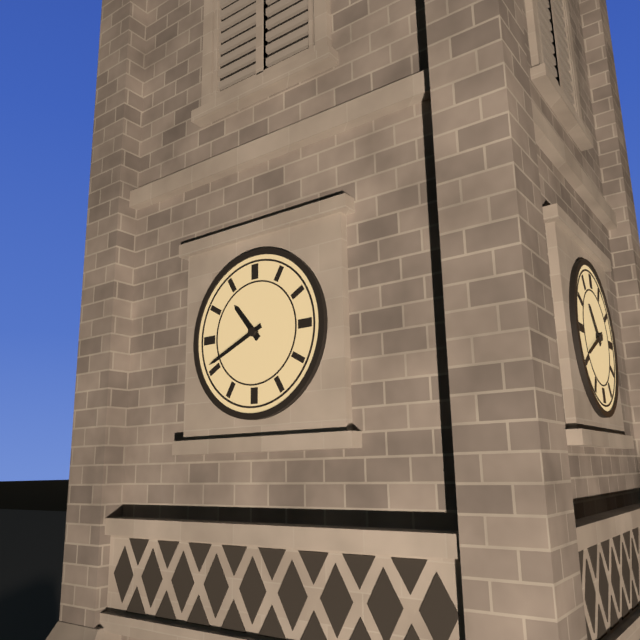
h=10 m=41
